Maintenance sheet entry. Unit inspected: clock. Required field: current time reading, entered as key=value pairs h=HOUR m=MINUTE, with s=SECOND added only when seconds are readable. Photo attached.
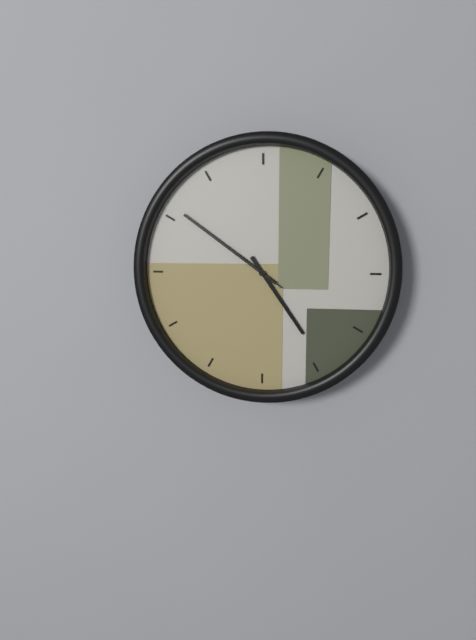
h=4 m=51 s=51
